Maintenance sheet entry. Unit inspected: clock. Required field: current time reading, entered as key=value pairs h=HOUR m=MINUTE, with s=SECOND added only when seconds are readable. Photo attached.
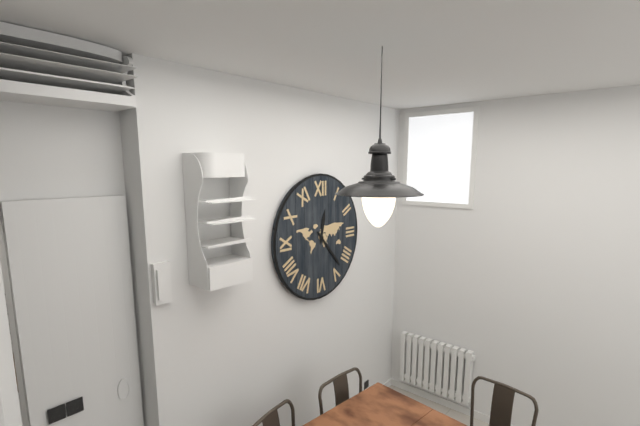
h=12 m=23
